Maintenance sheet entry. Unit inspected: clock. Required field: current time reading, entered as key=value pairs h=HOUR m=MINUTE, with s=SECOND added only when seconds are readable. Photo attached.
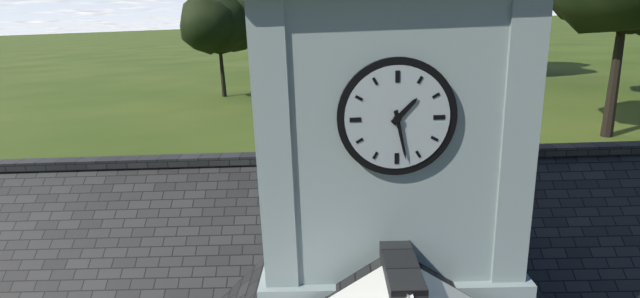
h=1 m=28
